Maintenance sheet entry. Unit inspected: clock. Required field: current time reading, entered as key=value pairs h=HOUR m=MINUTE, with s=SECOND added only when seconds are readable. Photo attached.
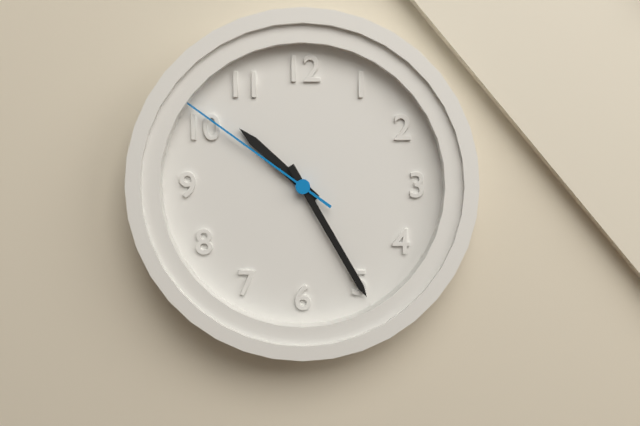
h=10 m=25 s=51
